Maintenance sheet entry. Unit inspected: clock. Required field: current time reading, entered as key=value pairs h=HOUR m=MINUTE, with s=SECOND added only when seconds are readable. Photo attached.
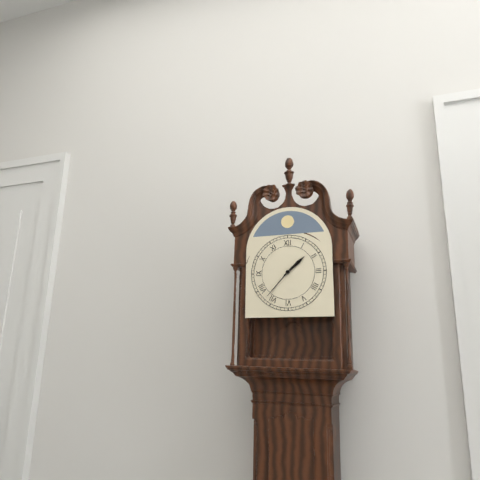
h=1 m=37
